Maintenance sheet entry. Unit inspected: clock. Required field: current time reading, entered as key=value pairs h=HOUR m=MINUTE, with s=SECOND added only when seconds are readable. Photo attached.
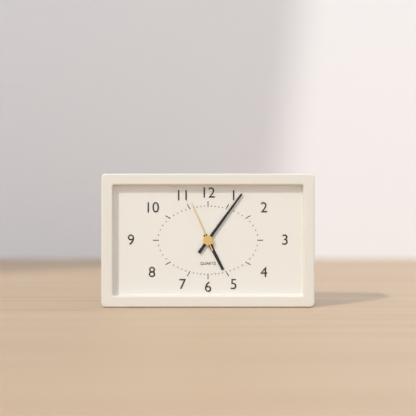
h=5 m=6 s=56
